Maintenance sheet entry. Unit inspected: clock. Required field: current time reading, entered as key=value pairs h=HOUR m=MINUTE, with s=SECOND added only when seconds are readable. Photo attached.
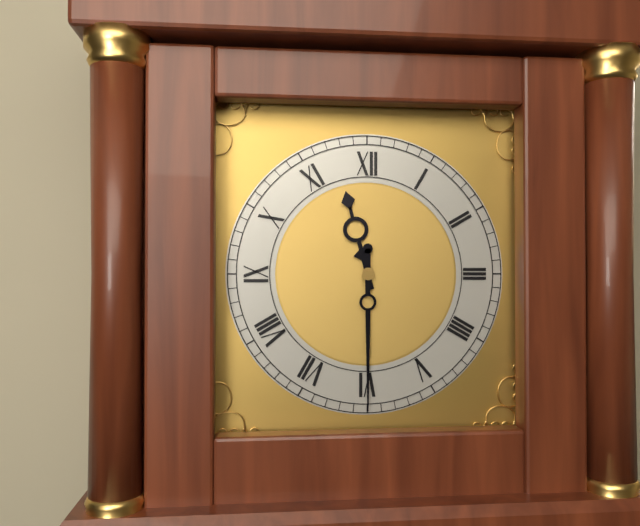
h=11 m=30
